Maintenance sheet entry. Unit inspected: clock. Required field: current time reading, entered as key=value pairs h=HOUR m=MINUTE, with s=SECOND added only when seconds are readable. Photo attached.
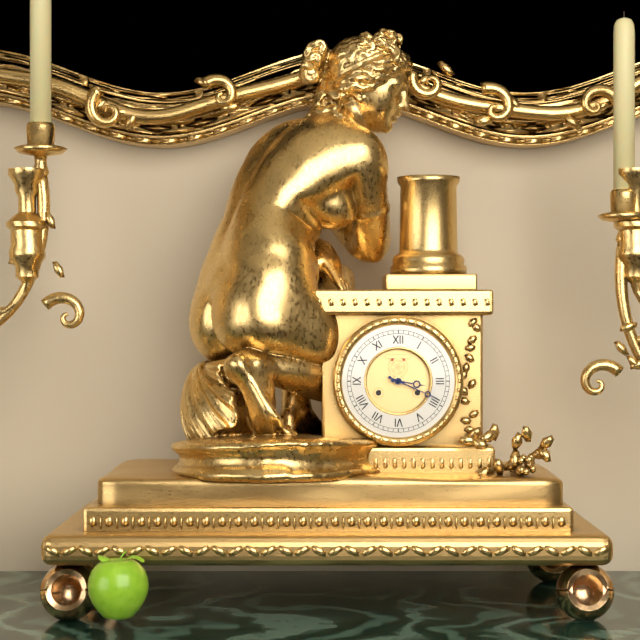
h=3 m=19
